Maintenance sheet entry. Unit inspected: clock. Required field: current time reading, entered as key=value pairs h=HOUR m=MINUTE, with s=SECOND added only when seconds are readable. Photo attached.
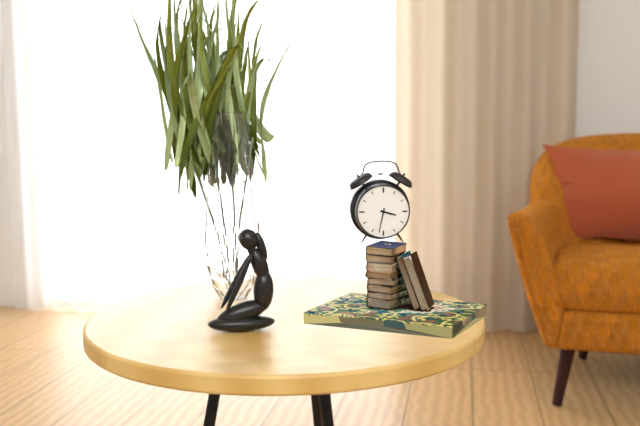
h=3 m=32
